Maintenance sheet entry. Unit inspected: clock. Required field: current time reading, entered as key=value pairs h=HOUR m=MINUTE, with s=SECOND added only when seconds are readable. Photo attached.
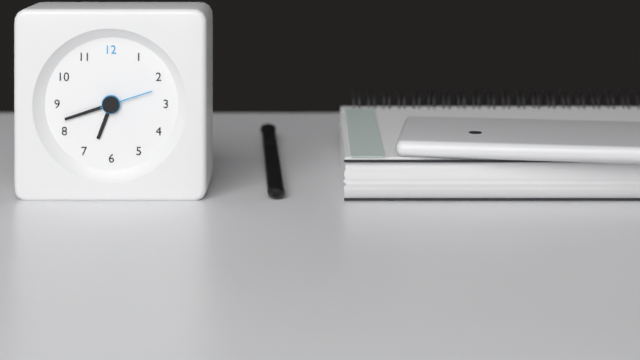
h=6 m=42 s=12
